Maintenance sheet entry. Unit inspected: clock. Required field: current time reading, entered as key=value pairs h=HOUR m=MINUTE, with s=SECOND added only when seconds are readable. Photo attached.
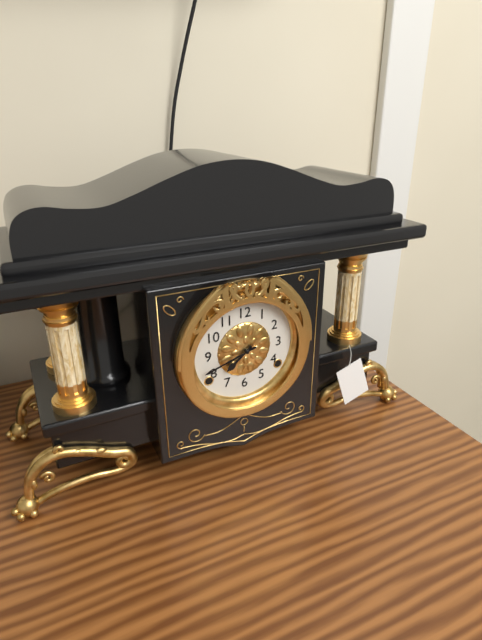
h=7 m=42
